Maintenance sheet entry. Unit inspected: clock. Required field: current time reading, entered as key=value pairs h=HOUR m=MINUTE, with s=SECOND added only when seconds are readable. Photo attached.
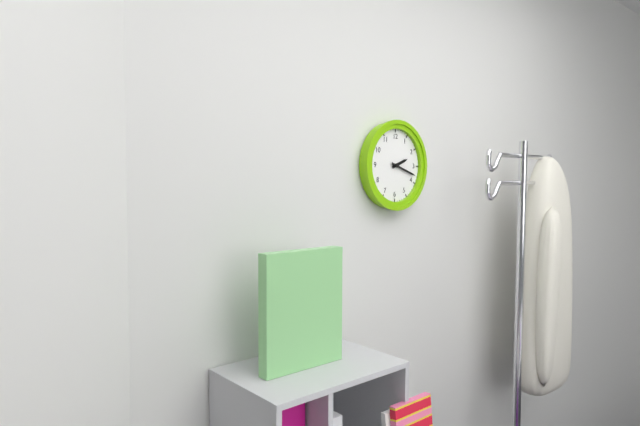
h=2 m=18
